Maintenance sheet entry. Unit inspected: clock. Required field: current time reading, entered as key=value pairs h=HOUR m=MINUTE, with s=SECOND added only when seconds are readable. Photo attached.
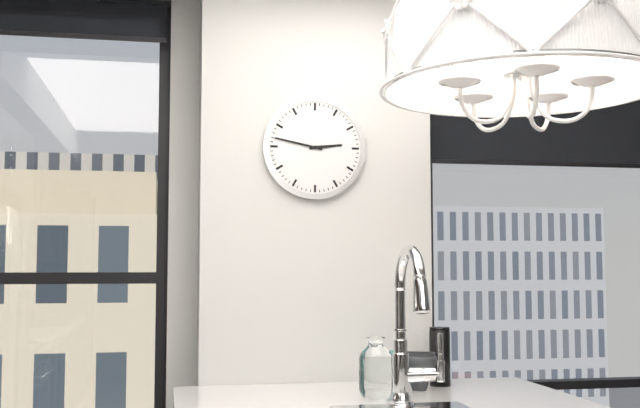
h=2 m=47
